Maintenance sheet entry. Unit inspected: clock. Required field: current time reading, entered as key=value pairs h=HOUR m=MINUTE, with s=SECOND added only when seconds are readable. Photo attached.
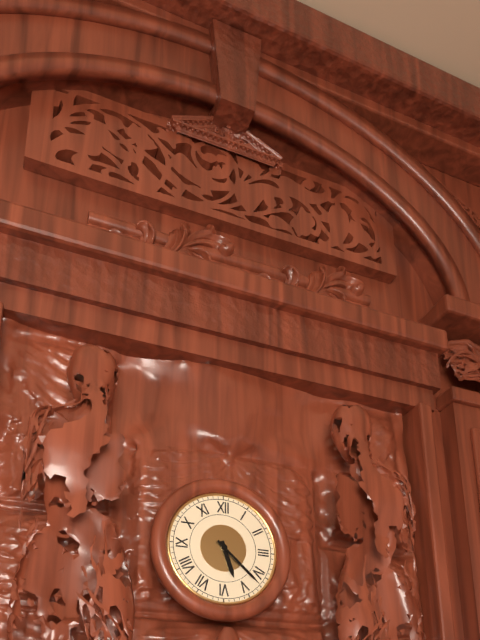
h=5 m=22
